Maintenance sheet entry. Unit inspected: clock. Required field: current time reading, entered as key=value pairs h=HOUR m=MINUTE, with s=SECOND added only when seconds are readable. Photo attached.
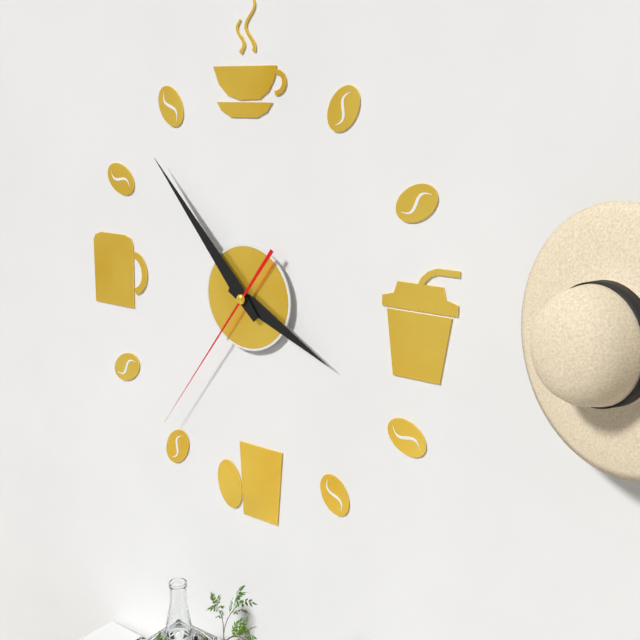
h=3 m=53 s=36
